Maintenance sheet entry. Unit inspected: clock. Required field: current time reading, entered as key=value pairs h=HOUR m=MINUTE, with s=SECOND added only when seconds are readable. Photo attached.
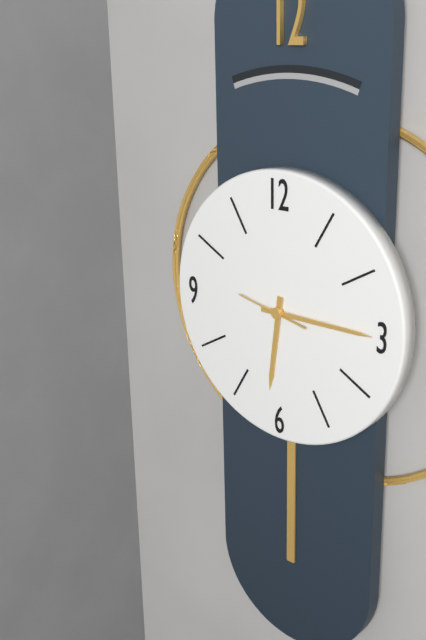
h=6 m=15 s=47
